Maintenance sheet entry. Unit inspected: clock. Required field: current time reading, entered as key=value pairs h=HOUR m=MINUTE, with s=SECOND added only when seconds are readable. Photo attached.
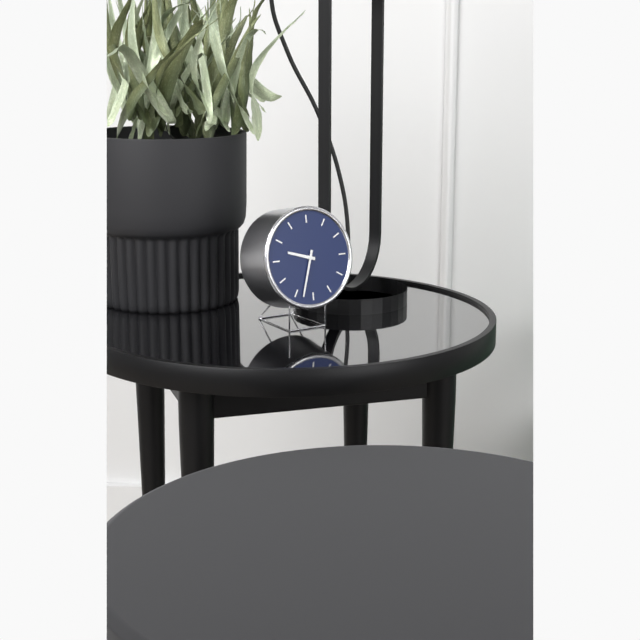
h=9 m=33
